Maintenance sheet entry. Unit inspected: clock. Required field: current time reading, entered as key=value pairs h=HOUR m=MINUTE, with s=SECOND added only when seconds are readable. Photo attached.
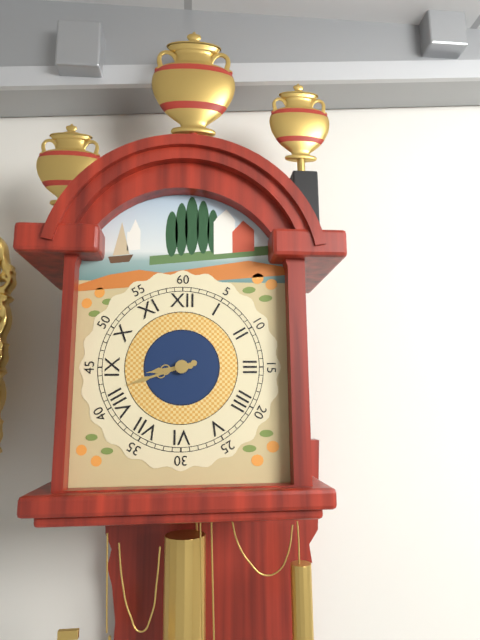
h=8 m=42
